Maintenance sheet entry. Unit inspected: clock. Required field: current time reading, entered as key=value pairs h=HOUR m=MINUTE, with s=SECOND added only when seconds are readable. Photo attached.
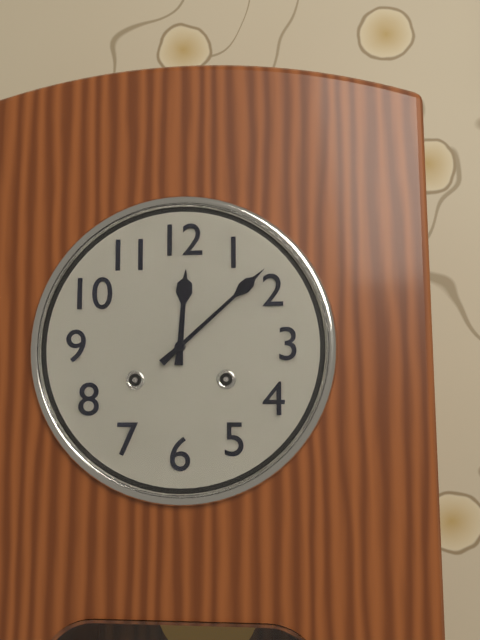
h=12 m=8
